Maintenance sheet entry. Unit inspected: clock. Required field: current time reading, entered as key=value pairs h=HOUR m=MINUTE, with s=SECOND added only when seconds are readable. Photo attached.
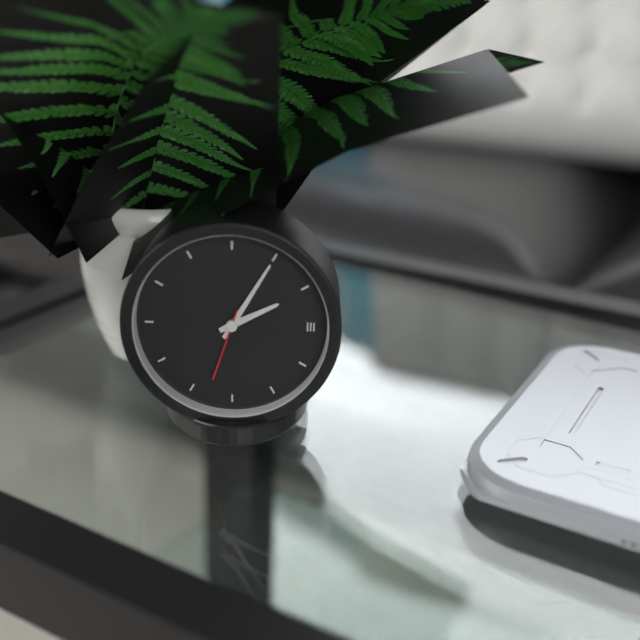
h=2 m=5 s=33
